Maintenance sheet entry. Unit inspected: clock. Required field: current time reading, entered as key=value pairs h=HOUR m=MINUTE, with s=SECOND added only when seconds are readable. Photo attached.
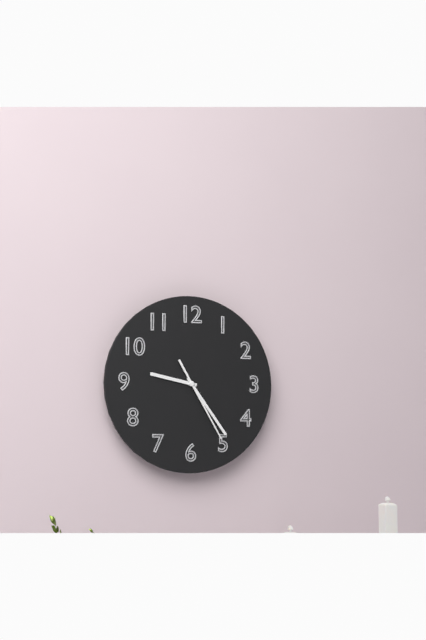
h=9 m=24 s=25
